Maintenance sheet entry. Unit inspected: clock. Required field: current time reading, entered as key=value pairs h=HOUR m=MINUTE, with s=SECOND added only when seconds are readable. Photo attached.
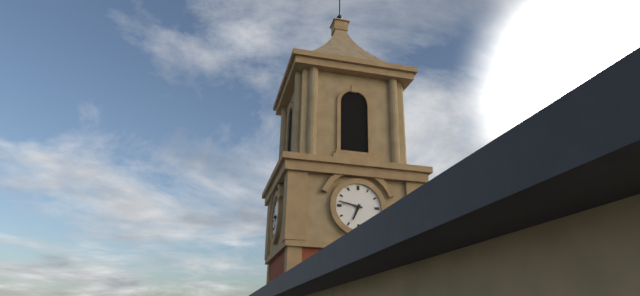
h=6 m=47
